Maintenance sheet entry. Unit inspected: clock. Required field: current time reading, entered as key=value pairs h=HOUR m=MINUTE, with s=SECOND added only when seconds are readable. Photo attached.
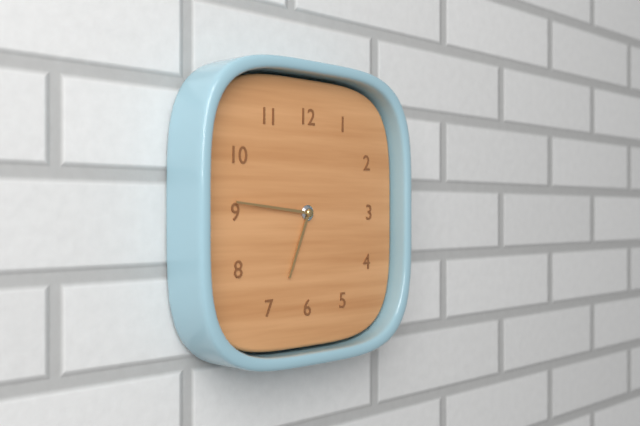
h=6 m=46
